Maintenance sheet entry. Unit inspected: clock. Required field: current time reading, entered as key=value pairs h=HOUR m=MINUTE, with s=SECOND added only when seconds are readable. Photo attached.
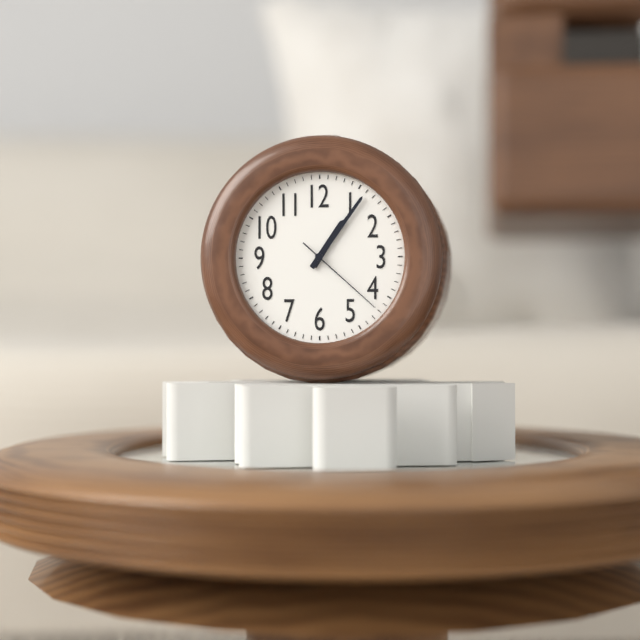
h=1 m=6 s=22
